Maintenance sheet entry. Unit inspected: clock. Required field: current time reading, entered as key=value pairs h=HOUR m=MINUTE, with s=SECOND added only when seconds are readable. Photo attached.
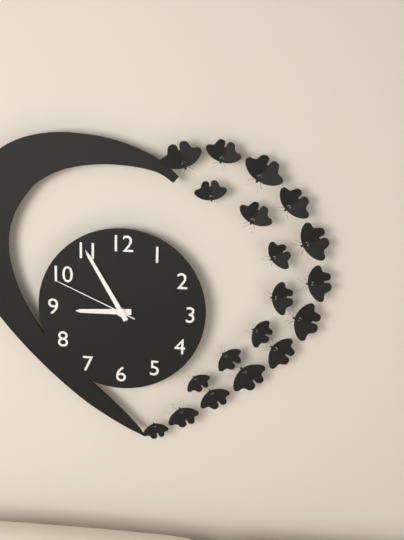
h=8 m=55 s=49
